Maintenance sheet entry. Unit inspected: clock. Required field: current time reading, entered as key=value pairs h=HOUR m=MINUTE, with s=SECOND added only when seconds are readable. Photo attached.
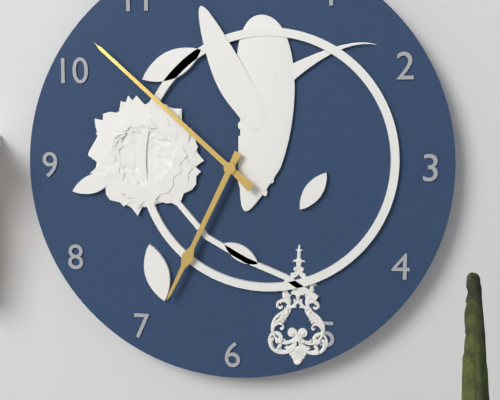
h=6 m=52
